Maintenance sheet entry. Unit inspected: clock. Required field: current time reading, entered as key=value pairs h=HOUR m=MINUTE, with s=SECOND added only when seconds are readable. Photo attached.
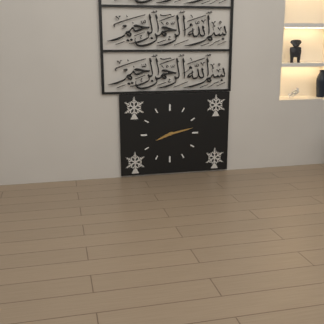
h=8 m=13
